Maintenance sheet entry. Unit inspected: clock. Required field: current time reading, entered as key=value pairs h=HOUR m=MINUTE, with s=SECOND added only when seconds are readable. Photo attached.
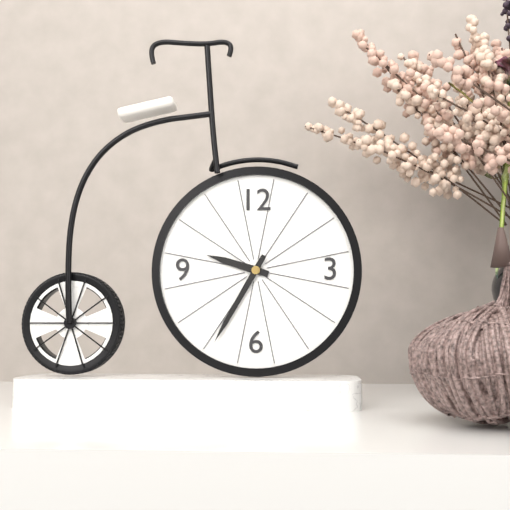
h=9 m=35
